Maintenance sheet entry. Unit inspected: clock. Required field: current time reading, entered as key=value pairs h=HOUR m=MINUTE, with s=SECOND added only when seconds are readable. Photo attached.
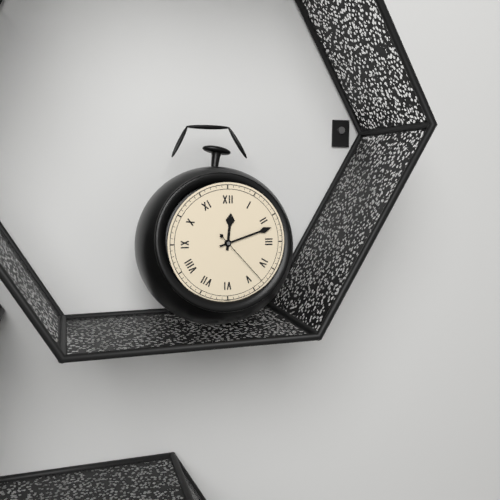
h=12 m=12 s=23
